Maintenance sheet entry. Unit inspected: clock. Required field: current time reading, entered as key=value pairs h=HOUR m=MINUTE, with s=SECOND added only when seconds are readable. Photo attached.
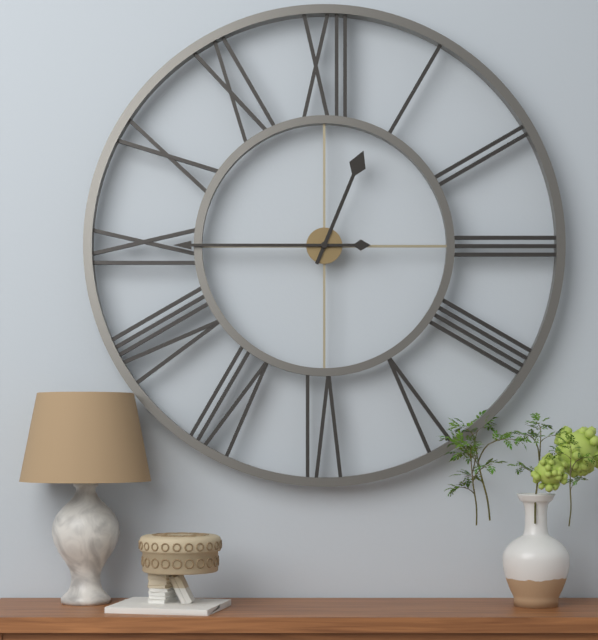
h=12 m=45
